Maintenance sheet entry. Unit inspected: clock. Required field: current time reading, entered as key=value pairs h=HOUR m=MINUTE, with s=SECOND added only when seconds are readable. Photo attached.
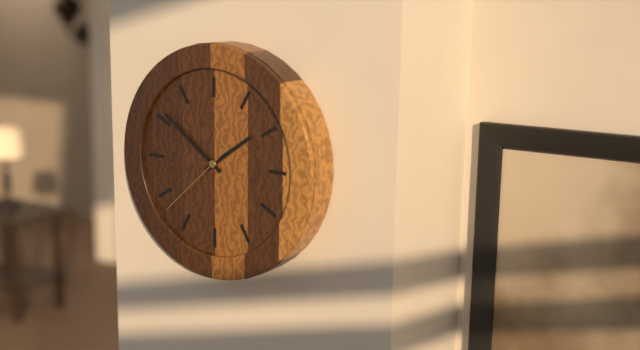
h=1 m=51 s=38
